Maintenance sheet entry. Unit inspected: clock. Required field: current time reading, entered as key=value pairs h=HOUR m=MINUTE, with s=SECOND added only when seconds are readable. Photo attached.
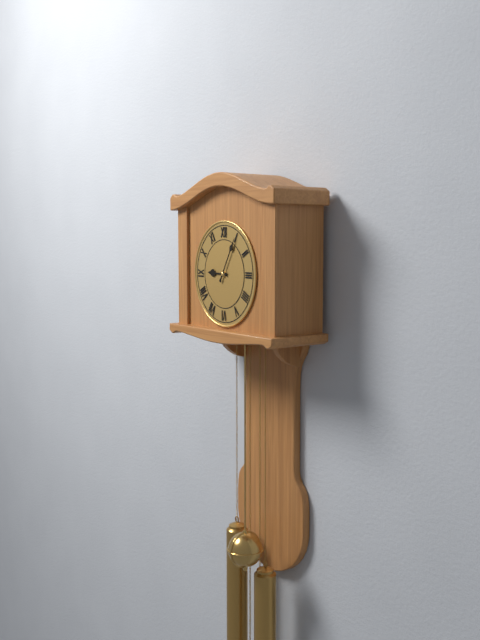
h=9 m=5
